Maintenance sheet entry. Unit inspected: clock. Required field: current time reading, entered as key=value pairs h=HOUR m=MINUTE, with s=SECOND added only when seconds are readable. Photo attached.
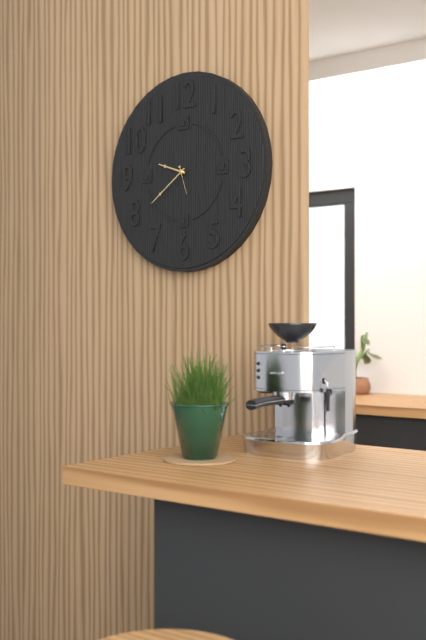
h=9 m=39
